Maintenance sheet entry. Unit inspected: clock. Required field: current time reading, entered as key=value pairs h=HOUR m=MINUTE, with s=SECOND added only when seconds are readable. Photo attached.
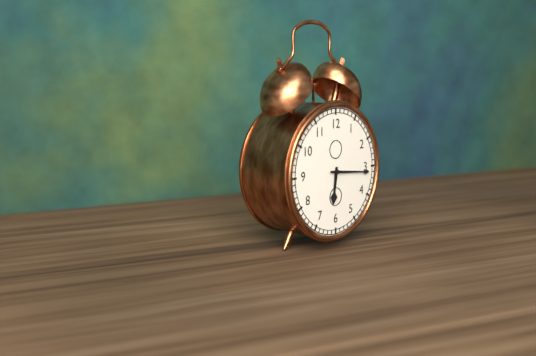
h=6 m=16
